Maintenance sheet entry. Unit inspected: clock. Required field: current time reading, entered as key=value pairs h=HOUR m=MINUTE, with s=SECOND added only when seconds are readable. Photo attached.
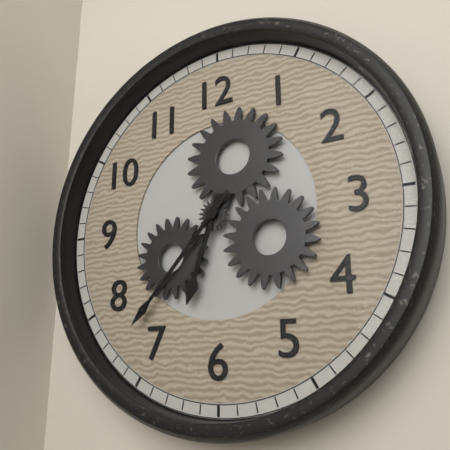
h=6 m=37
